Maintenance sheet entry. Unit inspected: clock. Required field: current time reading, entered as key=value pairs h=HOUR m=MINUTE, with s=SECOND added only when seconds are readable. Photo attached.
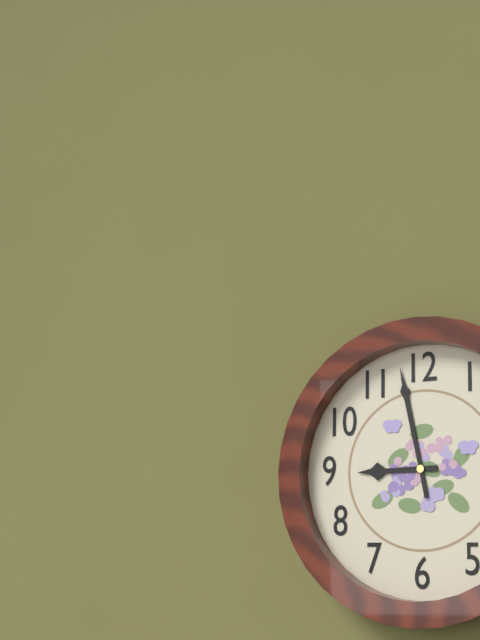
h=8 m=58
